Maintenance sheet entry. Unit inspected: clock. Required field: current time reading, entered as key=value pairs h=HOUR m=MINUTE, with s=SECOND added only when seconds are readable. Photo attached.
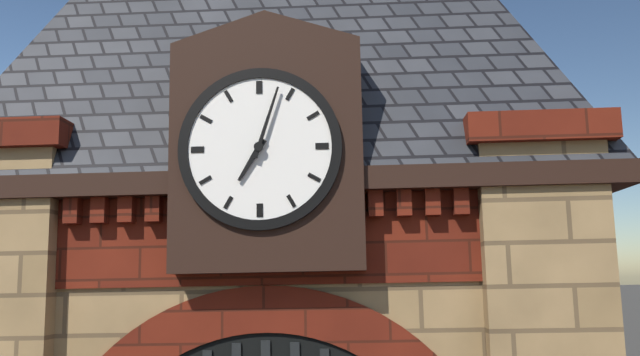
h=7 m=3
